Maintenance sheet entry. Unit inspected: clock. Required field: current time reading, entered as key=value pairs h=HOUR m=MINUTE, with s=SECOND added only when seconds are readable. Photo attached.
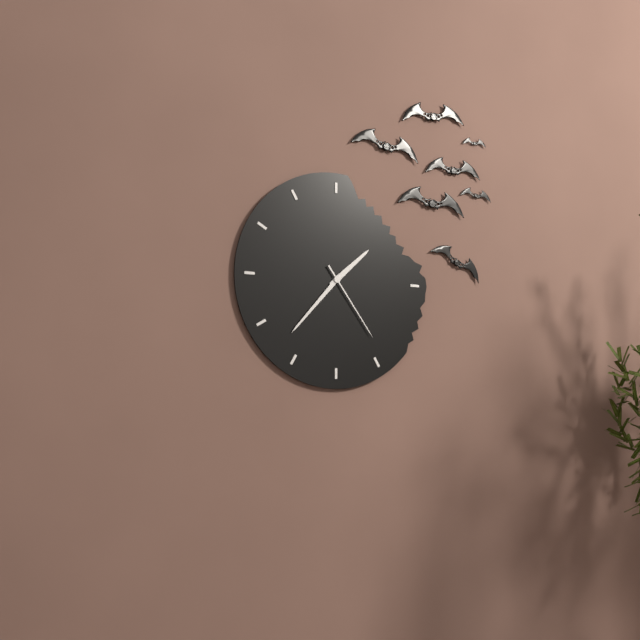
h=1 m=37 s=24
